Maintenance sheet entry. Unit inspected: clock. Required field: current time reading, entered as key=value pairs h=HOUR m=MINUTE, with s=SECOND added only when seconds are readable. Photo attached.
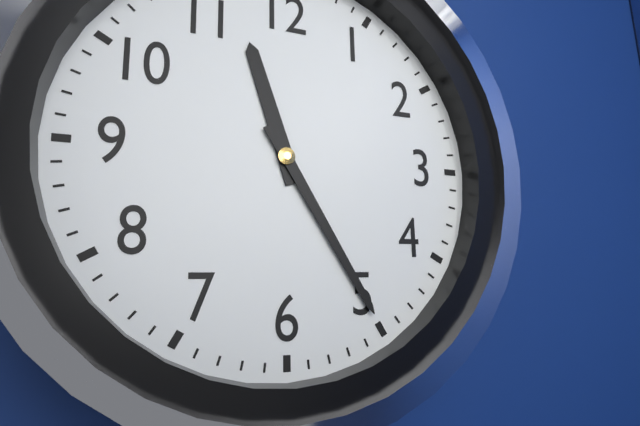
h=11 m=25
